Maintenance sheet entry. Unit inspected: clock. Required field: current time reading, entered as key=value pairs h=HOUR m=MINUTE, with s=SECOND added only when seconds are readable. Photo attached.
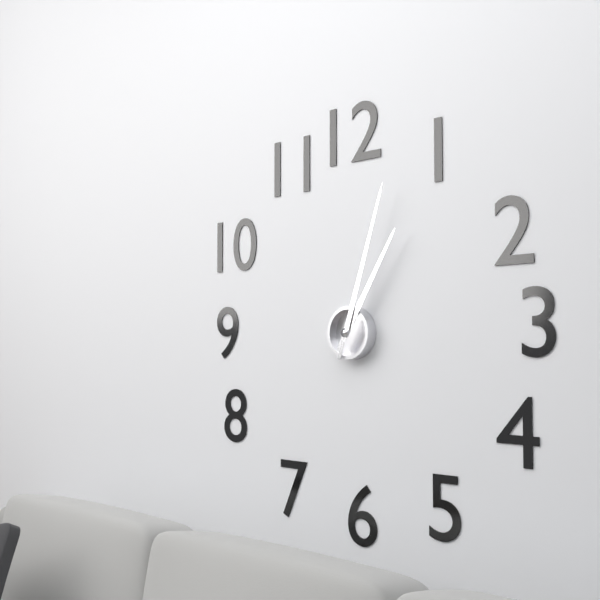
h=1 m=3
